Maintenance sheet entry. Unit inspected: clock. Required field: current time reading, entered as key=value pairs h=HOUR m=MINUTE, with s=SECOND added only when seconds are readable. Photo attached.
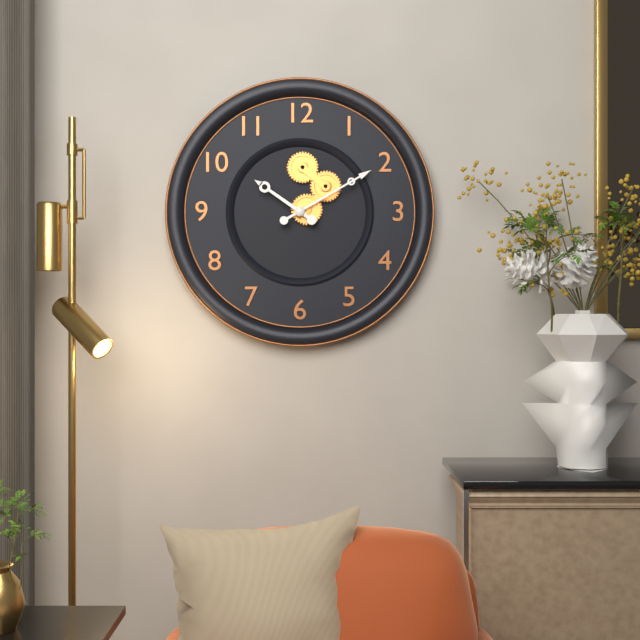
h=10 m=10
